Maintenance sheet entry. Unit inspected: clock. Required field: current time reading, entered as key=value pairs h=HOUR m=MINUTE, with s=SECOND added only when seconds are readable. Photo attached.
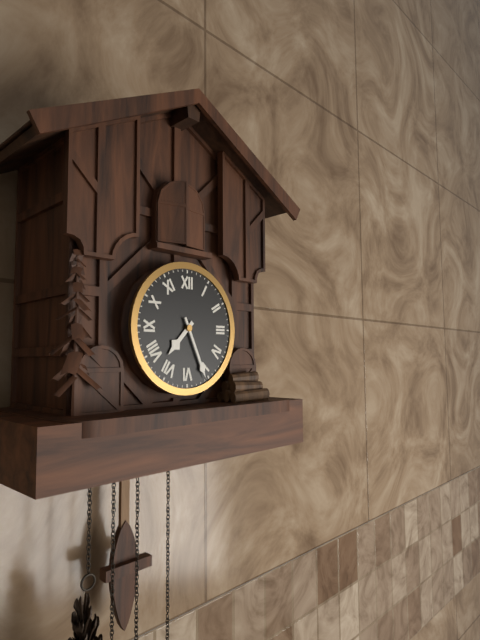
h=7 m=26
